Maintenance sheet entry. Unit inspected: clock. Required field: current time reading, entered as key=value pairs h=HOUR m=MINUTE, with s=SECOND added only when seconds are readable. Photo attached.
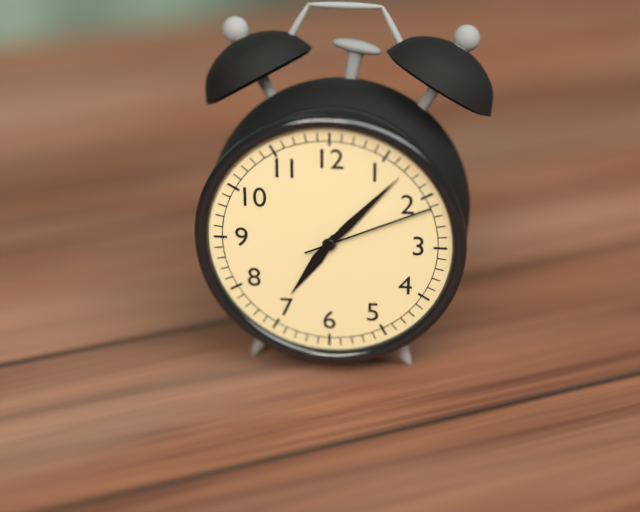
h=7 m=7 s=11
